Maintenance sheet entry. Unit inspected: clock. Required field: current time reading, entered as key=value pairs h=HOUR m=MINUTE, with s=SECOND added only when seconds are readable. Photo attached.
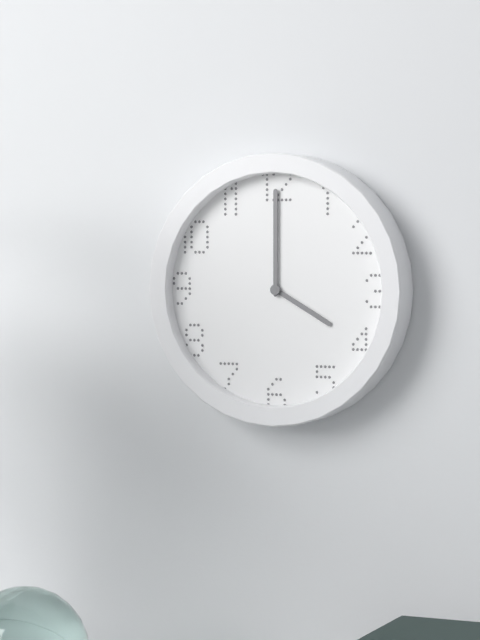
h=4 m=0
